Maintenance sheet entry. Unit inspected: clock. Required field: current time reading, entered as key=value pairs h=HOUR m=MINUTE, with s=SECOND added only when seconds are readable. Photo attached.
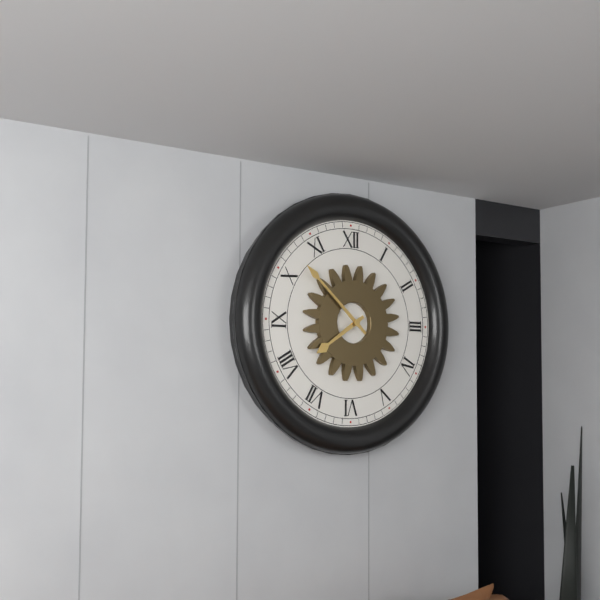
h=7 m=52
